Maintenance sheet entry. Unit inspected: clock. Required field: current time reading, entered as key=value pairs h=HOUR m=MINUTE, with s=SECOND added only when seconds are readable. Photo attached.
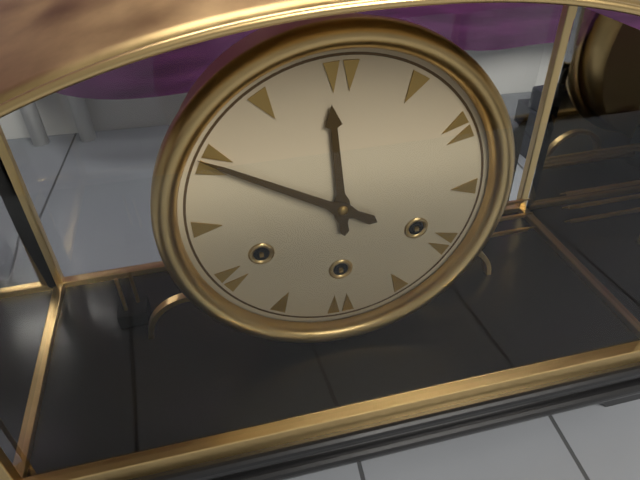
h=11 m=50
